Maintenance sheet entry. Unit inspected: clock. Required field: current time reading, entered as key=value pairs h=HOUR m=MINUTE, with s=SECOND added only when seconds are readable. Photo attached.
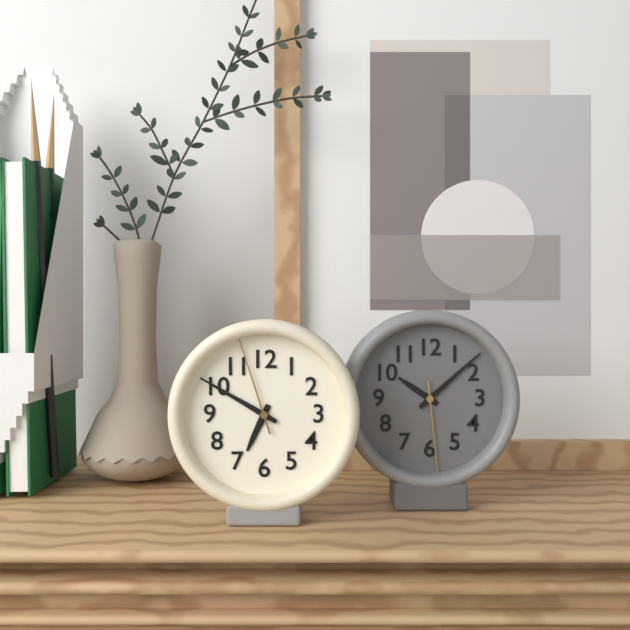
h=6 m=50 s=57
